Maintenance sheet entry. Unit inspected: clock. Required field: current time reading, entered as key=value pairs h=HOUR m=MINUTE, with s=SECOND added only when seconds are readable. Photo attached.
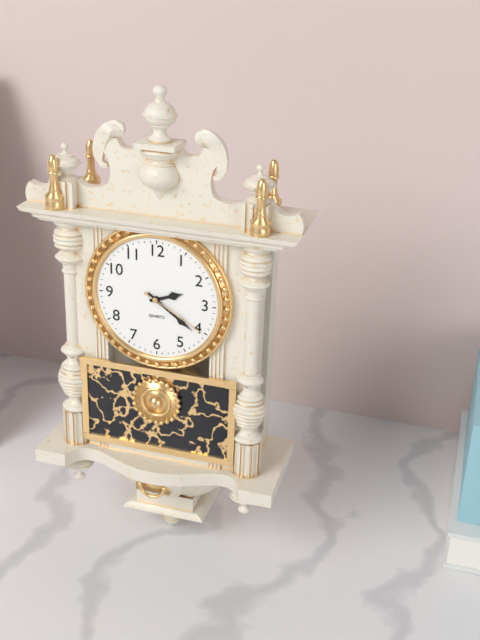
h=2 m=21 s=20
